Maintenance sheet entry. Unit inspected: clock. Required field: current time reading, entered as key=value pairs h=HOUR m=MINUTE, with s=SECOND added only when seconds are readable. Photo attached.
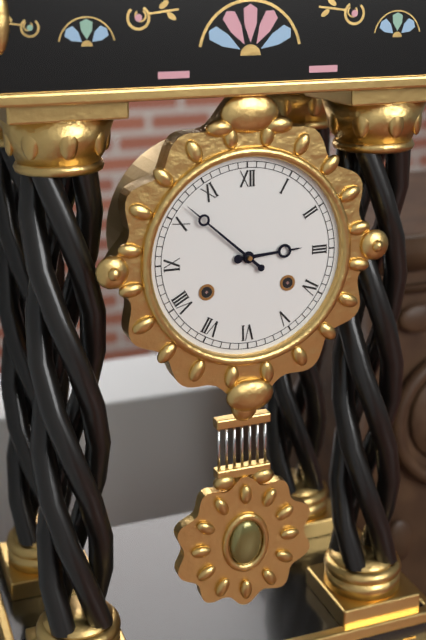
h=2 m=52
